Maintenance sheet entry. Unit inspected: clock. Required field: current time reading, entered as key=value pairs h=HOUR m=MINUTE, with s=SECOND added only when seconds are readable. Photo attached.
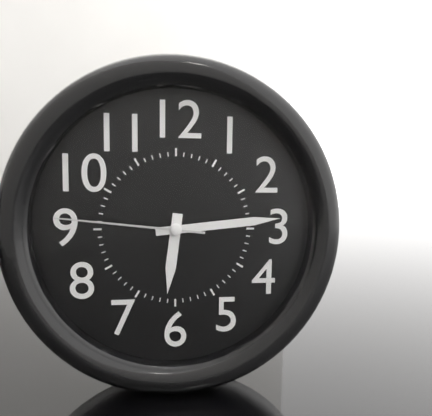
h=6 m=14 s=46
